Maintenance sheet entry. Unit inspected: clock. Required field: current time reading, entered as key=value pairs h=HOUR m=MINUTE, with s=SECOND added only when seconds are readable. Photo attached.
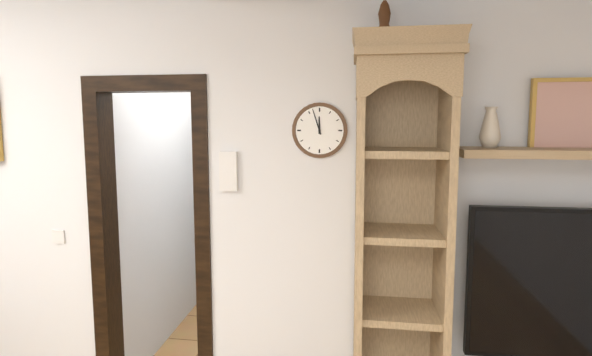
h=11 m=57
